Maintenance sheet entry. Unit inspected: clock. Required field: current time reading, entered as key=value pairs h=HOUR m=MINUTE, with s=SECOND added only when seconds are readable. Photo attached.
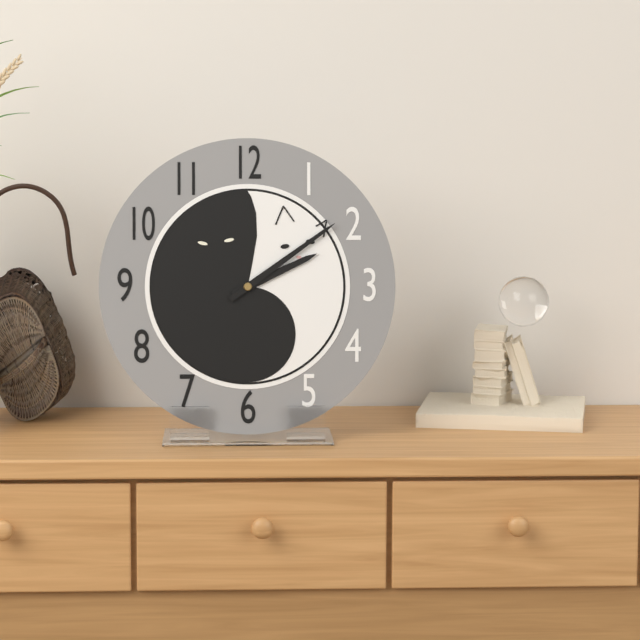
h=2 m=9
